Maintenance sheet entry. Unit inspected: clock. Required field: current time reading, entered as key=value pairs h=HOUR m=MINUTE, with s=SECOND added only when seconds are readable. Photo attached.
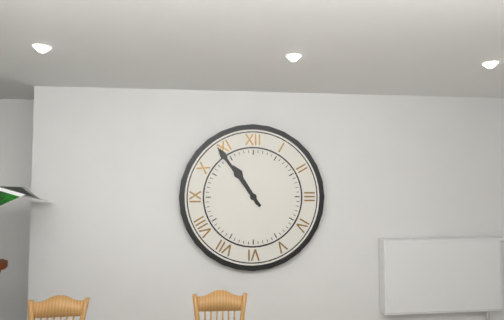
h=10 m=54
